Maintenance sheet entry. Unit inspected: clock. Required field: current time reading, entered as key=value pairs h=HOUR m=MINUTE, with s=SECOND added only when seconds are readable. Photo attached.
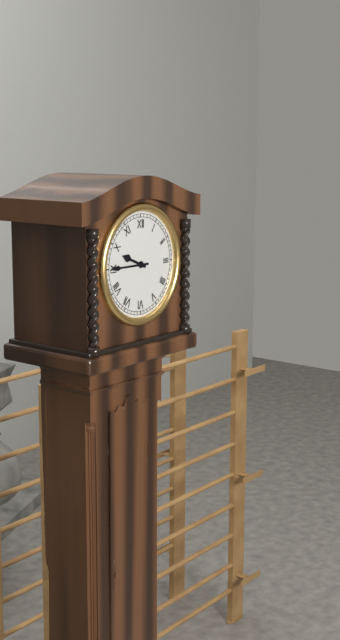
h=9 m=45
